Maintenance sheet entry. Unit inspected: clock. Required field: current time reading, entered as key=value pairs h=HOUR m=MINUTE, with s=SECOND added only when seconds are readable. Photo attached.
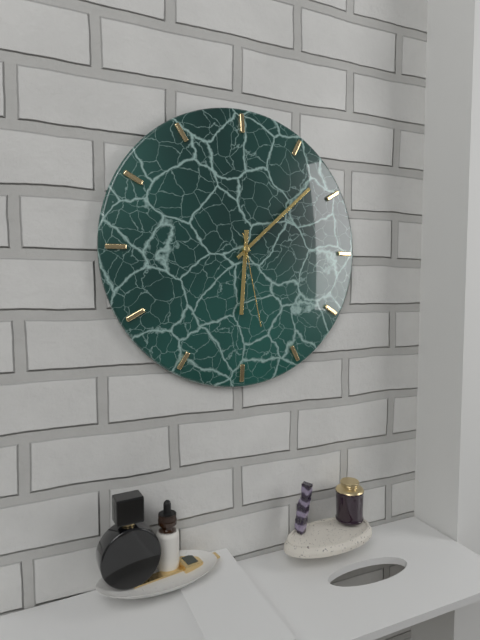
h=6 m=8 s=28
